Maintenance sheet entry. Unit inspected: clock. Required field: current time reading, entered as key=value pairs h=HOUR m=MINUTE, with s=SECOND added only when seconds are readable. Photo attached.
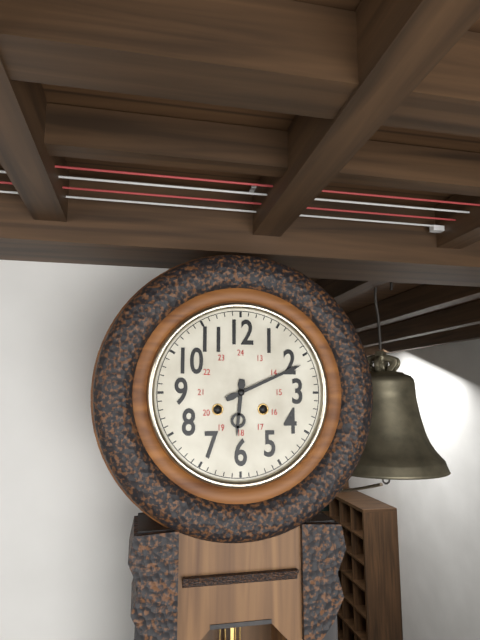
h=6 m=11
